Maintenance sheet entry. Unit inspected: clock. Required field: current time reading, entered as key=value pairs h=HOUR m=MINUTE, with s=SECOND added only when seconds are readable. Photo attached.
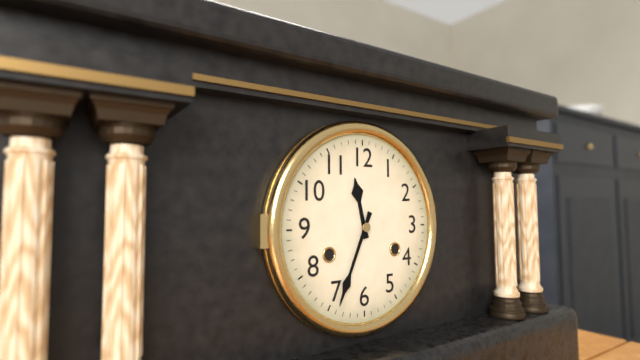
h=11 m=34
